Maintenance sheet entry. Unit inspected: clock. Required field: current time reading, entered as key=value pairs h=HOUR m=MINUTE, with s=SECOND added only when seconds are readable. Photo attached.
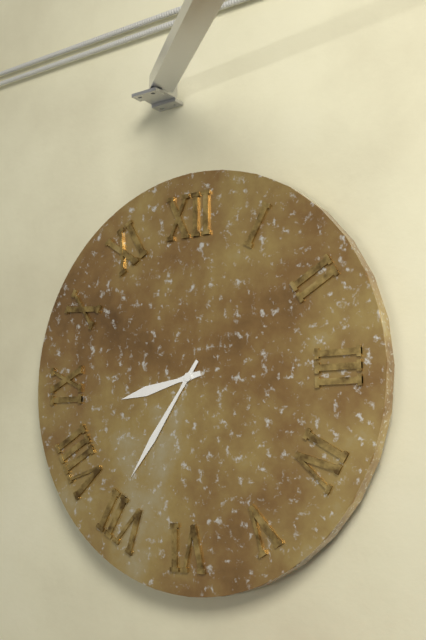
h=8 m=36
